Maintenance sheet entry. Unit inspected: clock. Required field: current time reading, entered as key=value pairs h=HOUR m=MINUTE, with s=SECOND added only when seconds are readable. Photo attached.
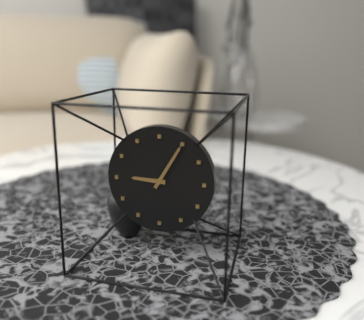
h=9 m=5
